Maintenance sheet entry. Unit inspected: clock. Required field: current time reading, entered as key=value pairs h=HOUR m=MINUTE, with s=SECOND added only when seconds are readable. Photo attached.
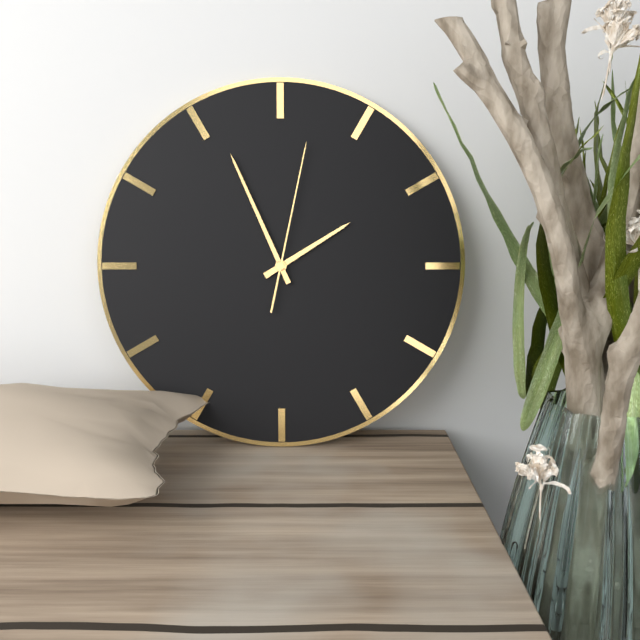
h=1 m=56 s=2
